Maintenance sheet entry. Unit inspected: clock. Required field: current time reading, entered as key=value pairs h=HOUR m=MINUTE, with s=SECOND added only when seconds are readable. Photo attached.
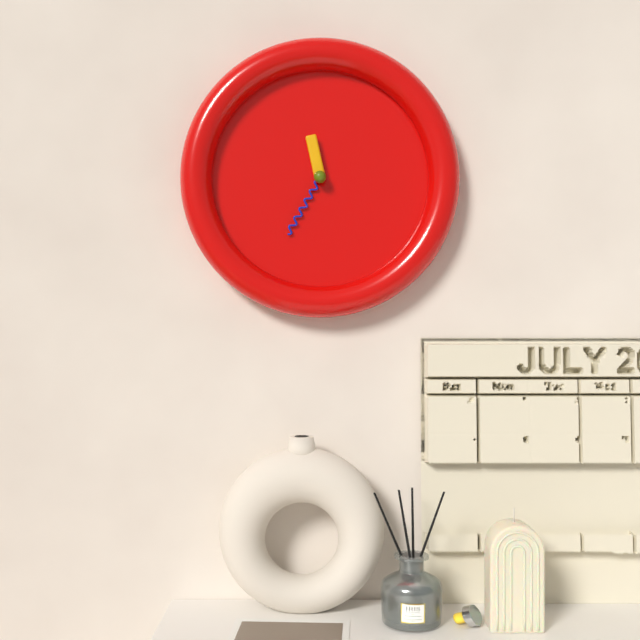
h=11 m=35
